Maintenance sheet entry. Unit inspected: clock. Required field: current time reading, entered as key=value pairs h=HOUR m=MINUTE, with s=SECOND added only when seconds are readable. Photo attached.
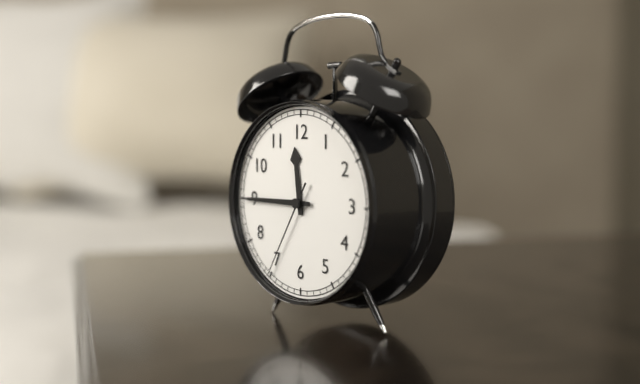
h=11 m=45 s=35
